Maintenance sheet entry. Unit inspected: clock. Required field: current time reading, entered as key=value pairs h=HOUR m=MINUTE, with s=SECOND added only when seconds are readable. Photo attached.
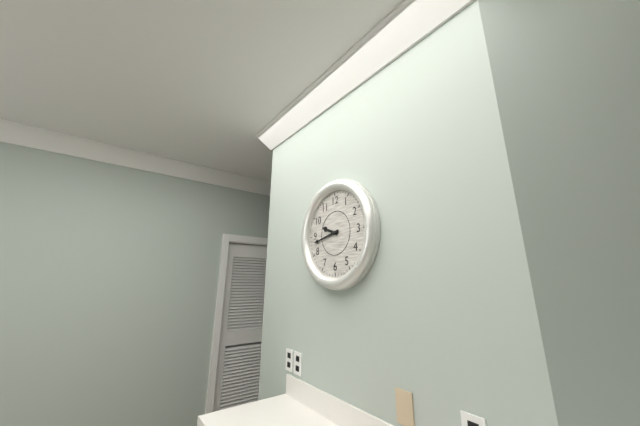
h=9 m=43
